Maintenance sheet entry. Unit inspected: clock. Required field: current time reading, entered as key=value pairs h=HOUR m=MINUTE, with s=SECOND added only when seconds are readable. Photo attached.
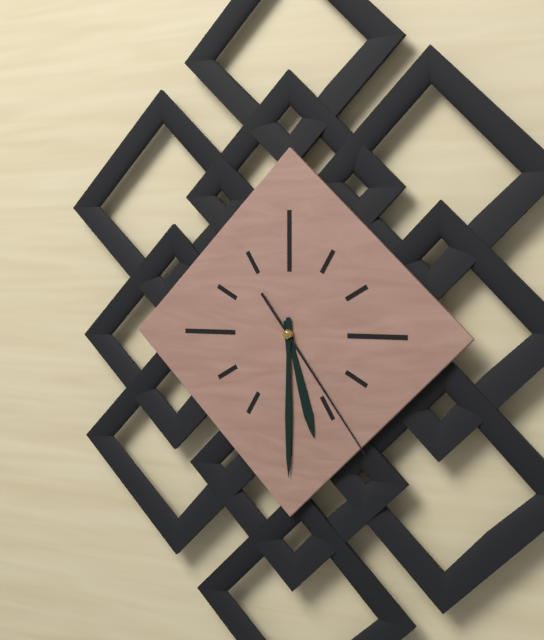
h=5 m=30 s=24
